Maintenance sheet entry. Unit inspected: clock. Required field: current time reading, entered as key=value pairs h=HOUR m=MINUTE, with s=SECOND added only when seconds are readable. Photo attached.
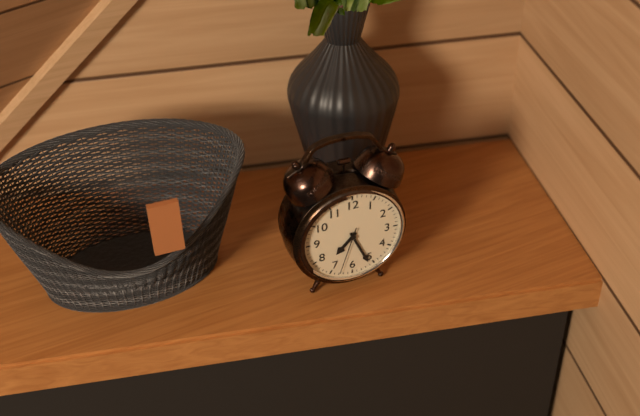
h=7 m=26 s=33
